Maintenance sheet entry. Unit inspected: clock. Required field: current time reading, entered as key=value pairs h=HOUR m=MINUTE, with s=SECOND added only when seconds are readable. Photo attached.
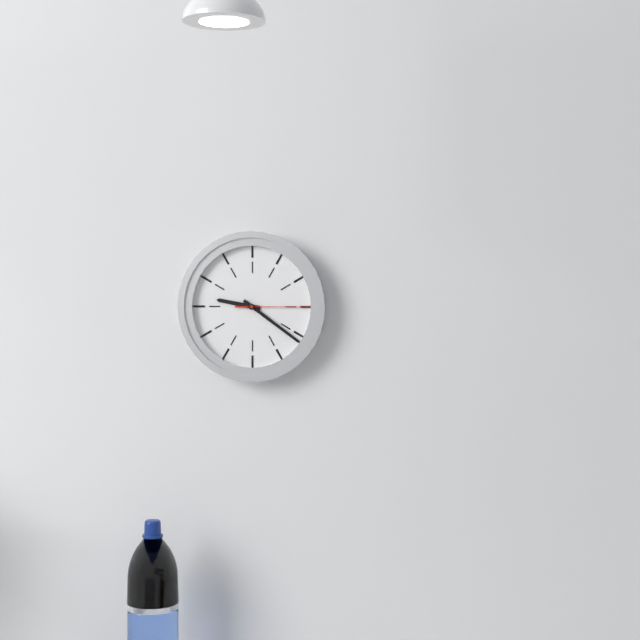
h=9 m=21 s=15
